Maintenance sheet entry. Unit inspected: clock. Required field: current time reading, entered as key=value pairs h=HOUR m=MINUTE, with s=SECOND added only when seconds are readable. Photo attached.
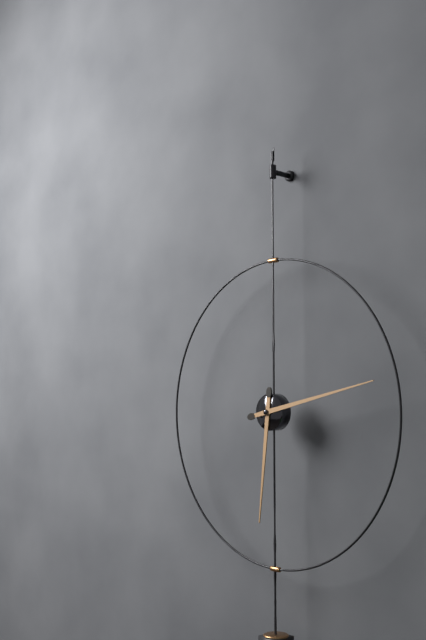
h=6 m=13
